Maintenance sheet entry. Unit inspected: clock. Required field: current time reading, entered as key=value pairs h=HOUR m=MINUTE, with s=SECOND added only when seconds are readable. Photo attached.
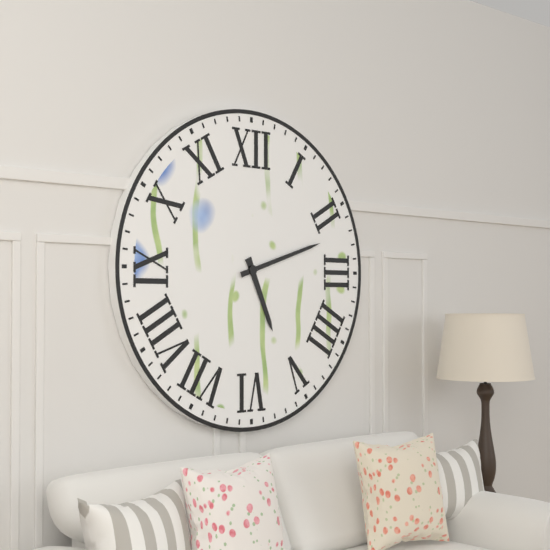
h=5 m=12
